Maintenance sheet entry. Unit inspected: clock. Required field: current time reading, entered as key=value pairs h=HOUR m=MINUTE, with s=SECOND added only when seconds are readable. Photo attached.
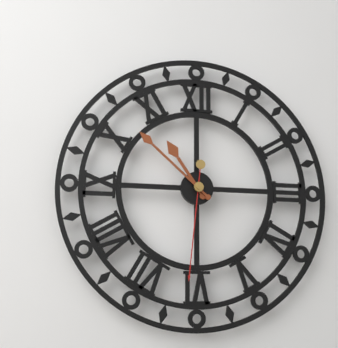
h=10 m=52 s=31
